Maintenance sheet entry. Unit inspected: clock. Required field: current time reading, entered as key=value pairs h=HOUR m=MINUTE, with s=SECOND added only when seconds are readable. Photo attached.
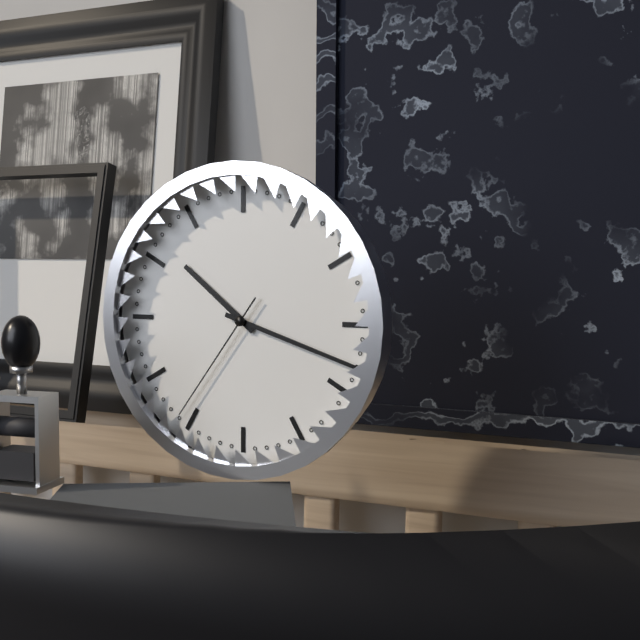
h=10 m=18 s=36
